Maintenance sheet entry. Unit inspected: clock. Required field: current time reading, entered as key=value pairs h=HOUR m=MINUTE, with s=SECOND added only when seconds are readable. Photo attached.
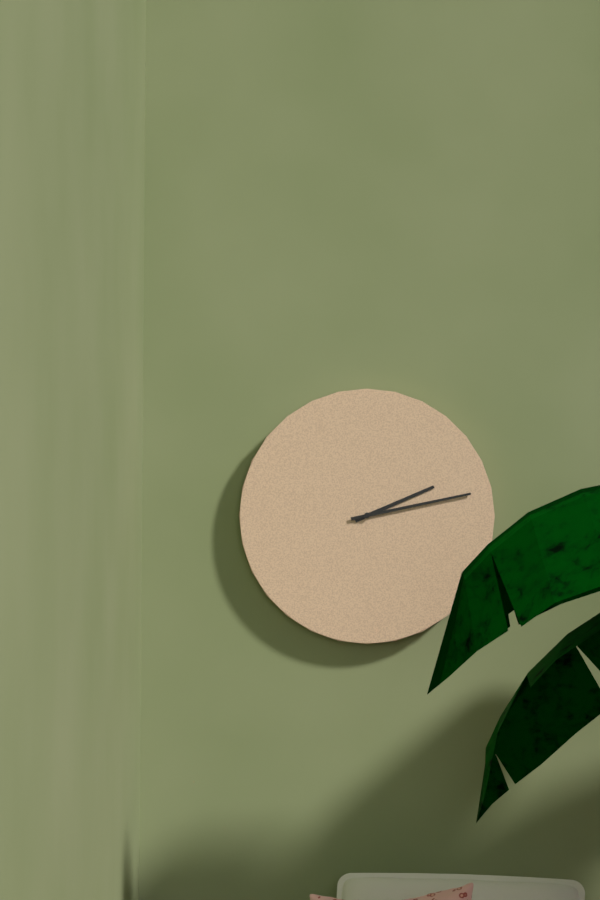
h=2 m=13
